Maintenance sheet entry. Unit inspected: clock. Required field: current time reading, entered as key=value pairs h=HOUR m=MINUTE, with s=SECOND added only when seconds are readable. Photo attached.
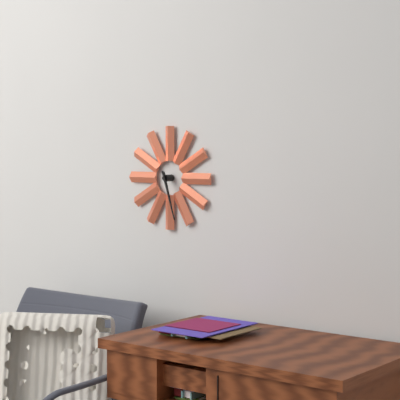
h=5 m=27
